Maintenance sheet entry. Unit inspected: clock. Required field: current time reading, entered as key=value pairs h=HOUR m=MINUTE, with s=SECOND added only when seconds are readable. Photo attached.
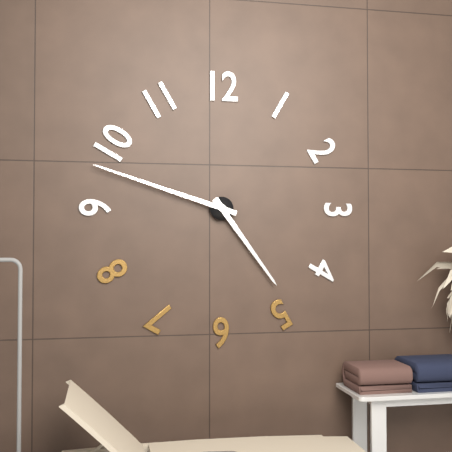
h=4 m=48
